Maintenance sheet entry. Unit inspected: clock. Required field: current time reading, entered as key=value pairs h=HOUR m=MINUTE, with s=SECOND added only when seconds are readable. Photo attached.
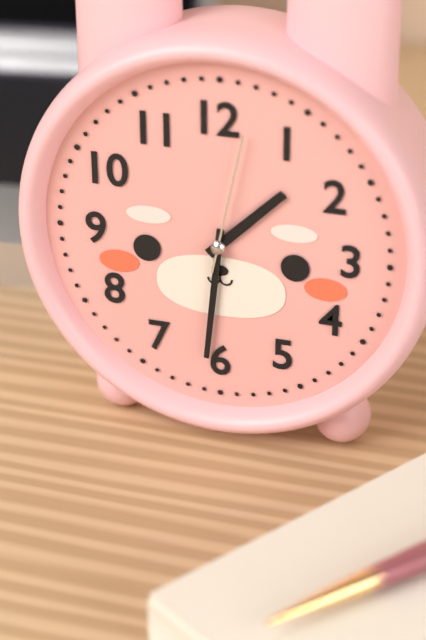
h=1 m=31 s=2
